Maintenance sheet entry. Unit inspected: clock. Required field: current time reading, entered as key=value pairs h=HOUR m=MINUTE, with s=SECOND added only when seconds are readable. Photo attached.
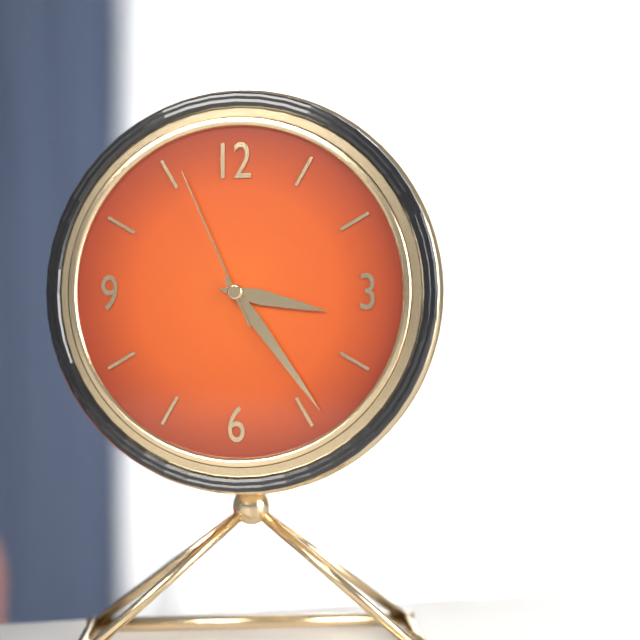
h=3 m=24 s=56
